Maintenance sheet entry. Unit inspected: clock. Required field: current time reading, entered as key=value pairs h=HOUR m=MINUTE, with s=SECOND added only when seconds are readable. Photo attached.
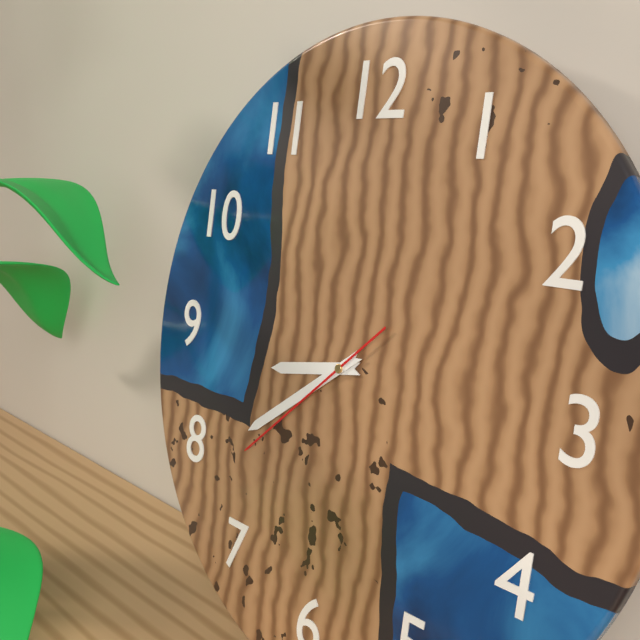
h=8 m=39 s=38
